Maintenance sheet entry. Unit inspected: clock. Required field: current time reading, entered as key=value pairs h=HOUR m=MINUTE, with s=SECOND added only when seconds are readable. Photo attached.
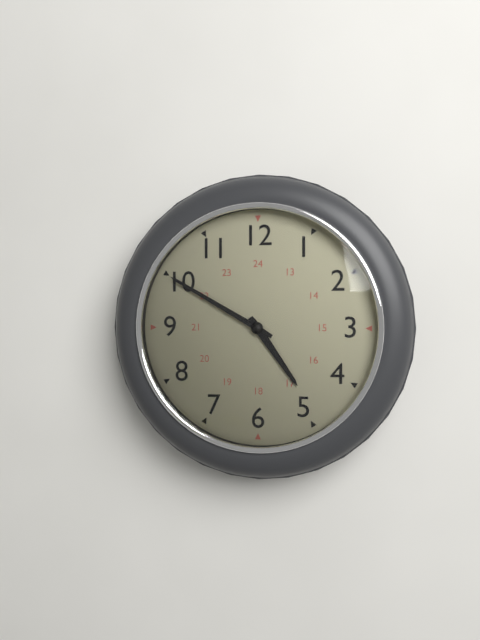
h=4 m=50
